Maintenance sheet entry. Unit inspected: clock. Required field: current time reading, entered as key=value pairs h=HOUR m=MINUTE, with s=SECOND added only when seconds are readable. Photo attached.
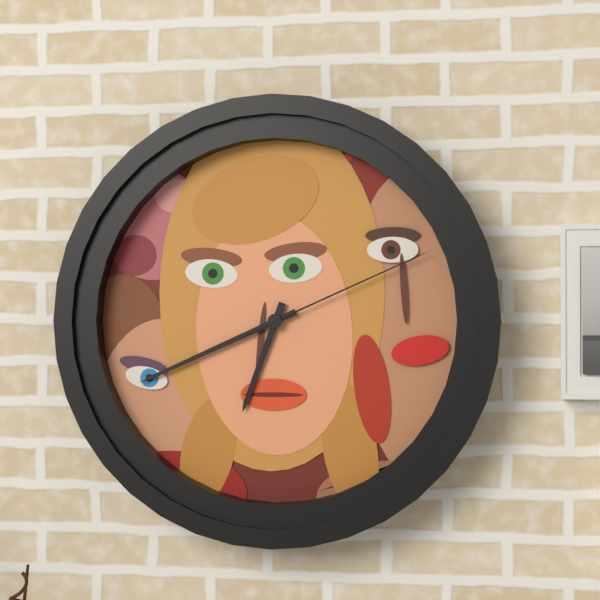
h=6 m=41 s=11
